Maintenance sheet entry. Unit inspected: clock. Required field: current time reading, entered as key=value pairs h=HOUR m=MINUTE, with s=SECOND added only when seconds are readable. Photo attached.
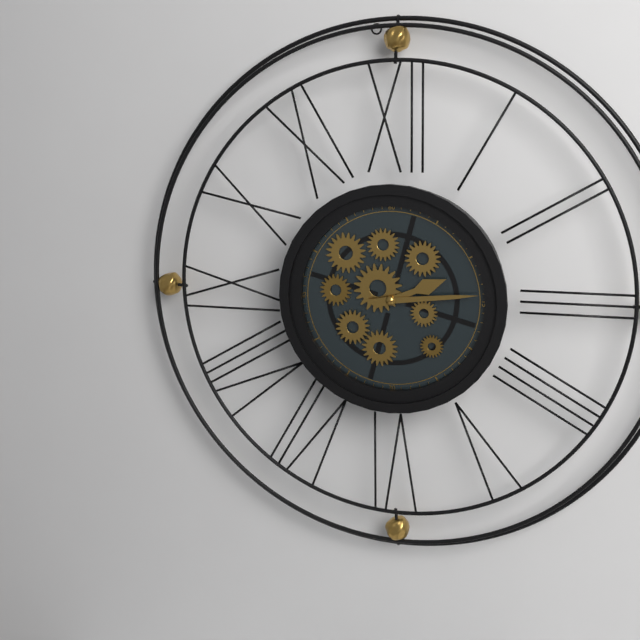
h=2 m=14
